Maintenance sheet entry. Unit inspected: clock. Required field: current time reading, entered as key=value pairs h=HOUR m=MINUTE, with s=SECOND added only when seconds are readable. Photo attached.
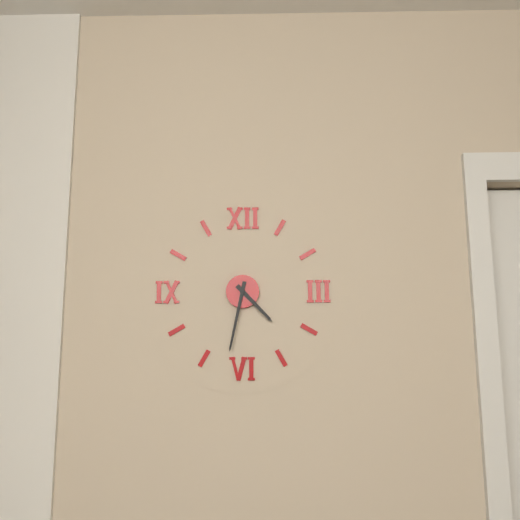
h=4 m=32
